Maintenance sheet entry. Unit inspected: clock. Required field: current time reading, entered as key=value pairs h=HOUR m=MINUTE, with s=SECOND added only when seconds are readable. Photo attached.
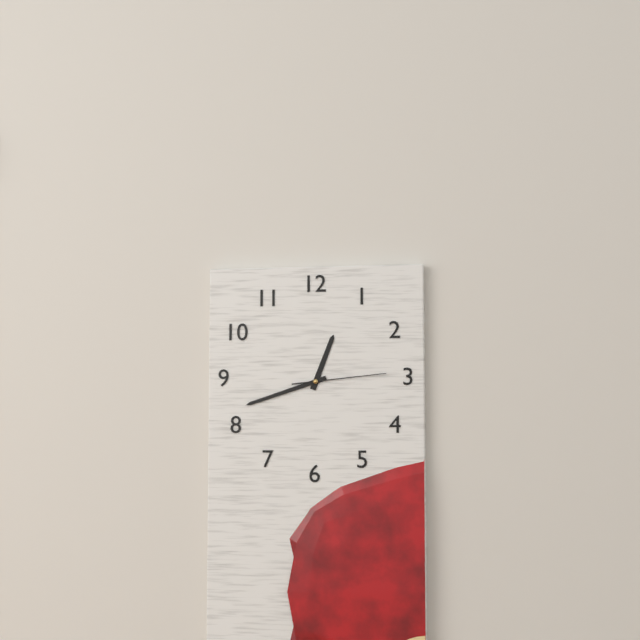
h=12 m=42 s=14
